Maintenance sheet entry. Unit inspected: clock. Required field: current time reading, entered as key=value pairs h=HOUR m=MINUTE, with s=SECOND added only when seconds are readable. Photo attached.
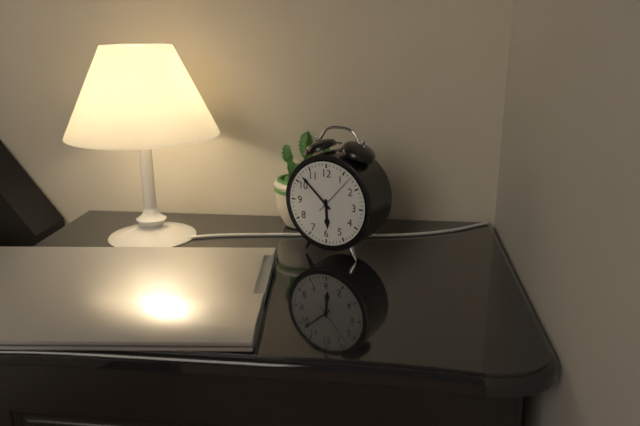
h=5 m=52
